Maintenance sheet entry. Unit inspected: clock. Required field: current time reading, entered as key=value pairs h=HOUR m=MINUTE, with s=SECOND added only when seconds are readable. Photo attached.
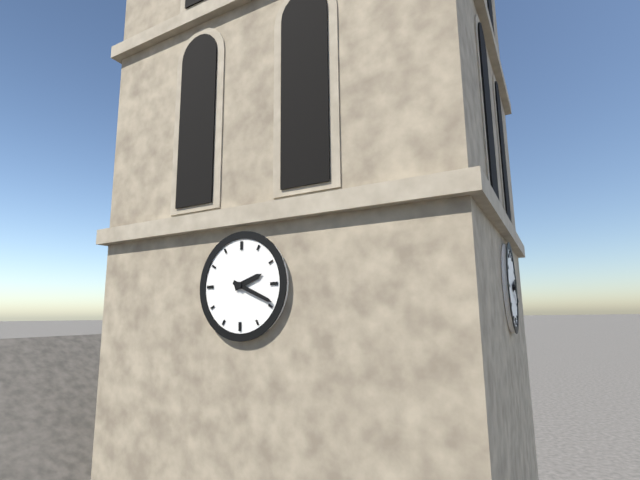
h=2 m=19
